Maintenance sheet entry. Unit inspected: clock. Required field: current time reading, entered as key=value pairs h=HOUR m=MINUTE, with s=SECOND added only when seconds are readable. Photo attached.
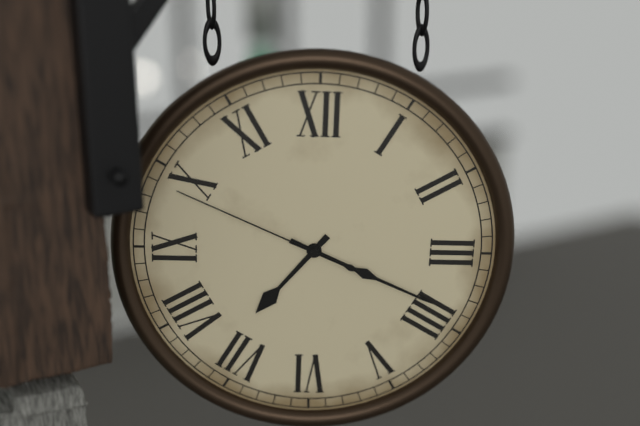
h=7 m=19 s=49
